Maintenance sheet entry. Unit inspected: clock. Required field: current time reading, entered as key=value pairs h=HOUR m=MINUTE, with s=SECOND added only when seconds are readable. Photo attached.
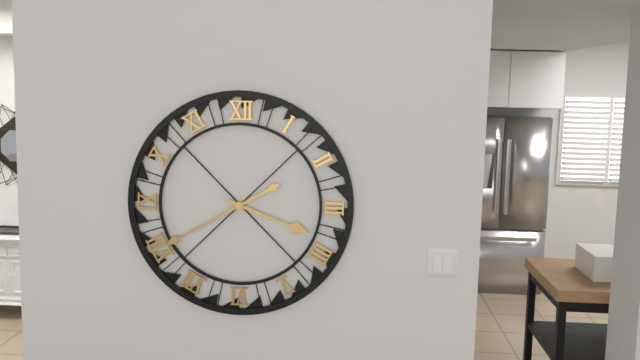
h=3 m=40
